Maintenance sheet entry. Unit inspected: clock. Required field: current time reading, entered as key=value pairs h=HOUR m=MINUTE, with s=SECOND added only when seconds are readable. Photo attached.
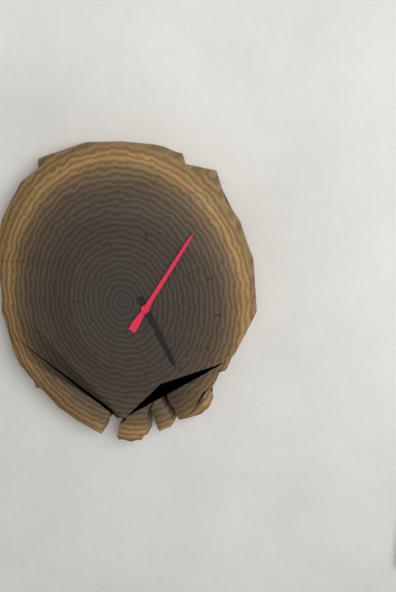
h=5 m=5
